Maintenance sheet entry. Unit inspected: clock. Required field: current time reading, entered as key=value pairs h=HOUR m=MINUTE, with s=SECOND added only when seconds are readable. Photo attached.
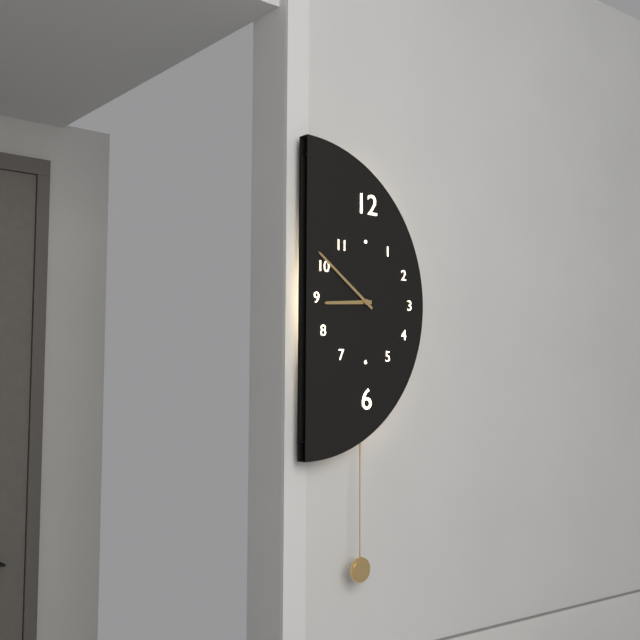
h=8 m=51
